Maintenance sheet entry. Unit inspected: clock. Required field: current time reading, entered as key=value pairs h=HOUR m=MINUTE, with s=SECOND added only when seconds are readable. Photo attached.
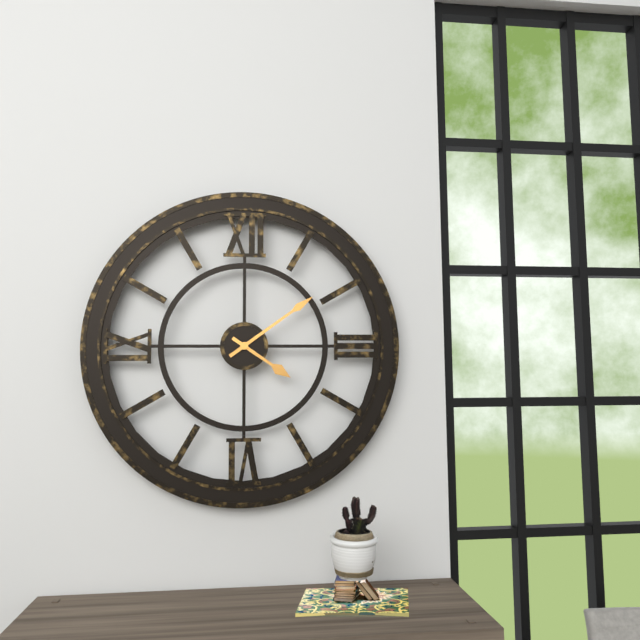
h=4 m=9
